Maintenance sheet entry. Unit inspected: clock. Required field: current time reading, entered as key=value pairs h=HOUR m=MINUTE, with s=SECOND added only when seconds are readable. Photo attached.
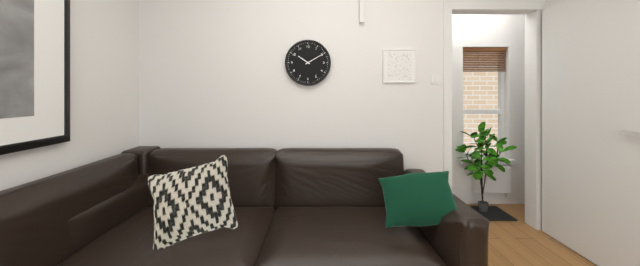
h=10 m=10
